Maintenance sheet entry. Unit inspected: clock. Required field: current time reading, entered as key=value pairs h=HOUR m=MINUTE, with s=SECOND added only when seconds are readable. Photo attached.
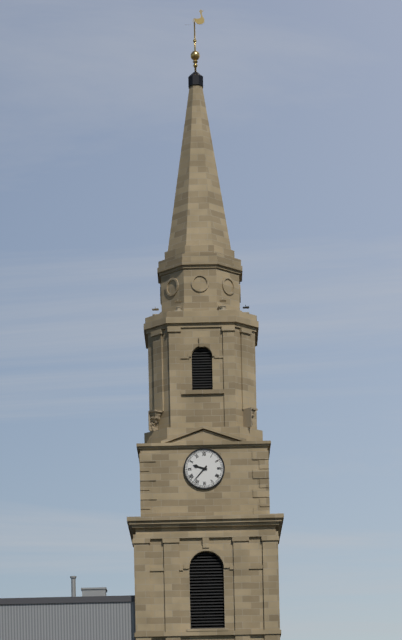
h=9 m=37
